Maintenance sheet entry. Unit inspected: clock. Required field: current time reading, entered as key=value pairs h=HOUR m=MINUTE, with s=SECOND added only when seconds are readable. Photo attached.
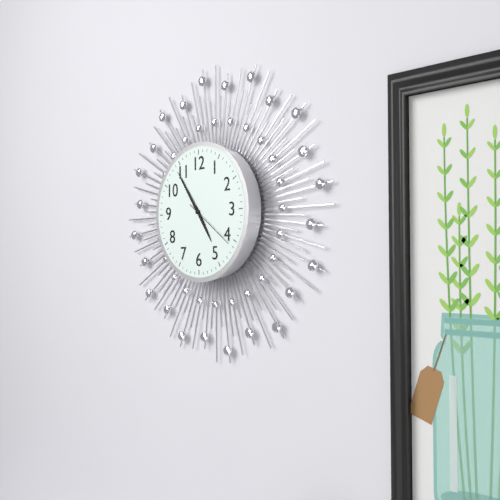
h=4 m=54 s=21
